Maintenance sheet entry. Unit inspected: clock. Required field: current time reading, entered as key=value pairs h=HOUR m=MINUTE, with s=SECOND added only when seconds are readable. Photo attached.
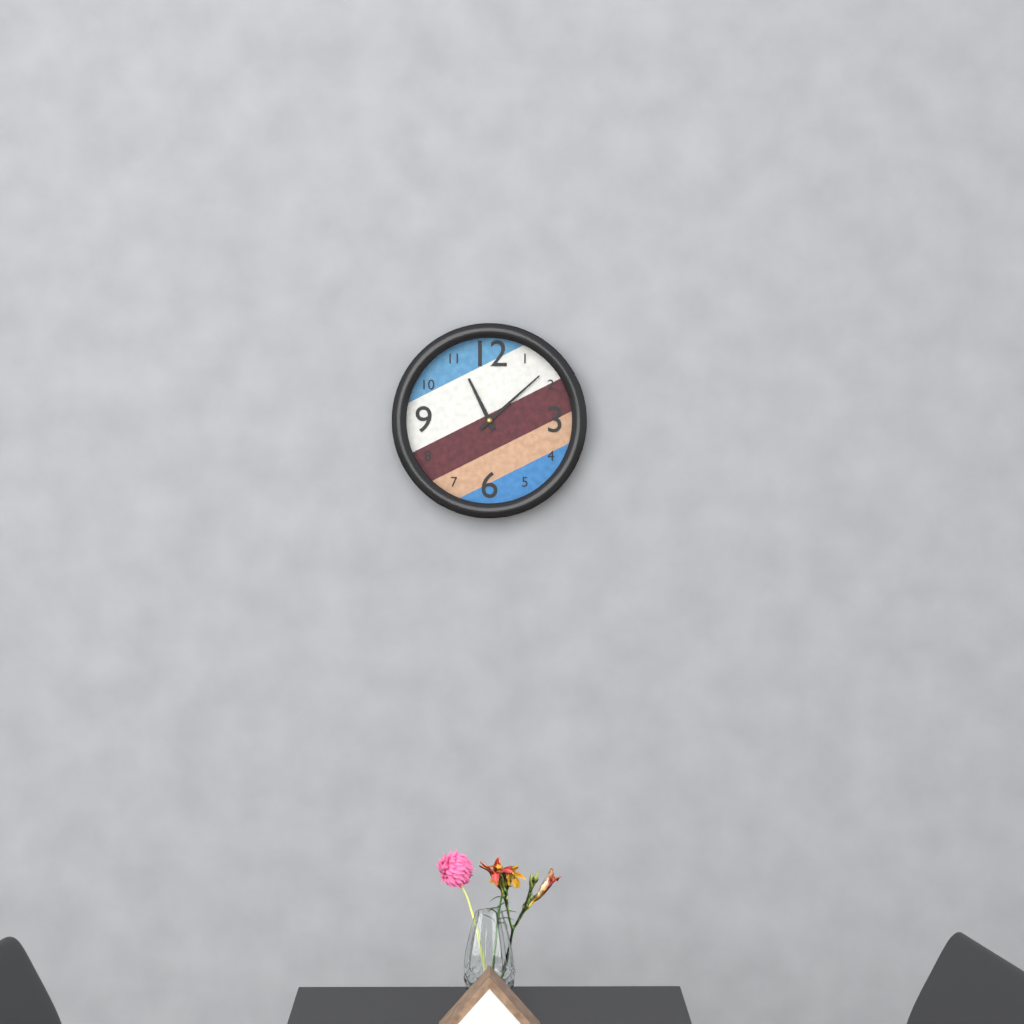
h=11 m=8
